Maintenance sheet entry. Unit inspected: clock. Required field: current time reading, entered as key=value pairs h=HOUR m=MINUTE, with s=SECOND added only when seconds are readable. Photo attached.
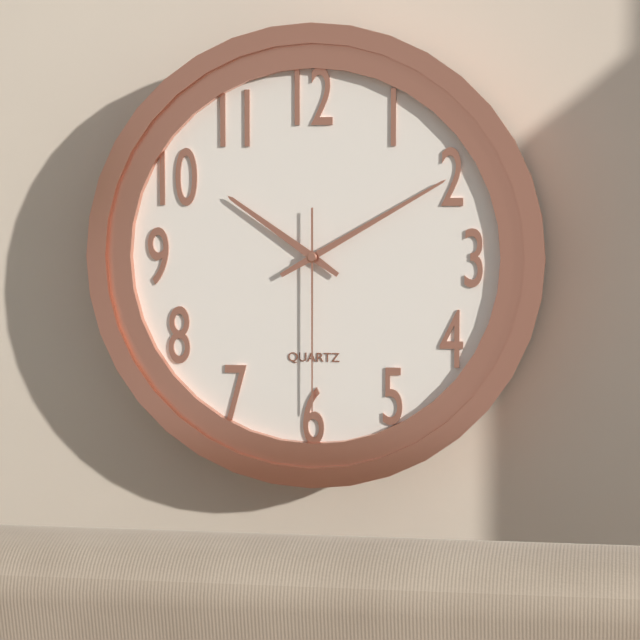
h=10 m=10 s=30
